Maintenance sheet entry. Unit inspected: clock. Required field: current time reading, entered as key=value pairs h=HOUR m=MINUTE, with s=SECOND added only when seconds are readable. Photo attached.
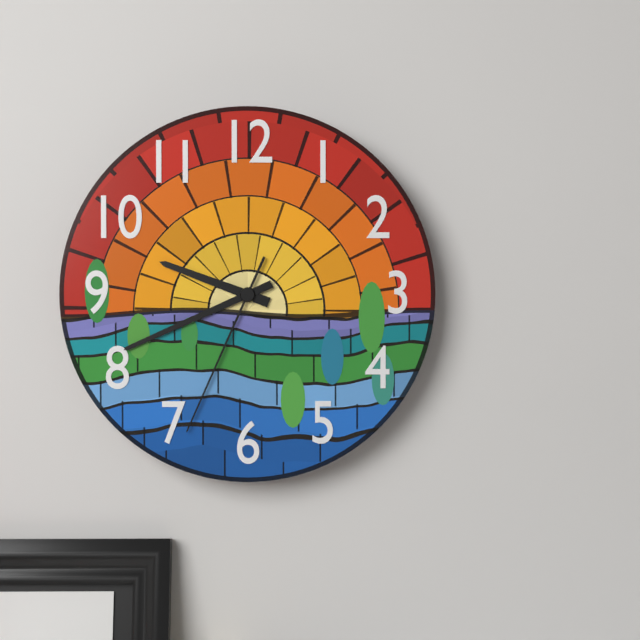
h=9 m=41 s=34
